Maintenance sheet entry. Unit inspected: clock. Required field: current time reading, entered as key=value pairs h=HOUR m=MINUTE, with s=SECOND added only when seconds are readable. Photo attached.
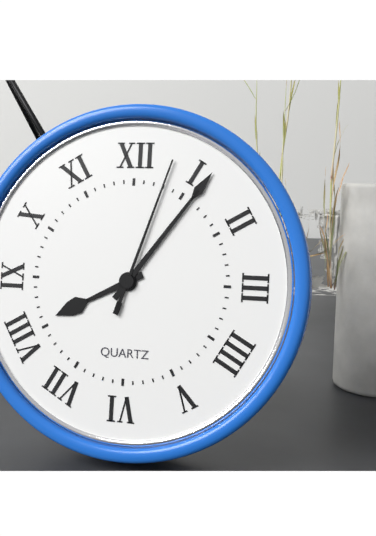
h=8 m=6 s=3
